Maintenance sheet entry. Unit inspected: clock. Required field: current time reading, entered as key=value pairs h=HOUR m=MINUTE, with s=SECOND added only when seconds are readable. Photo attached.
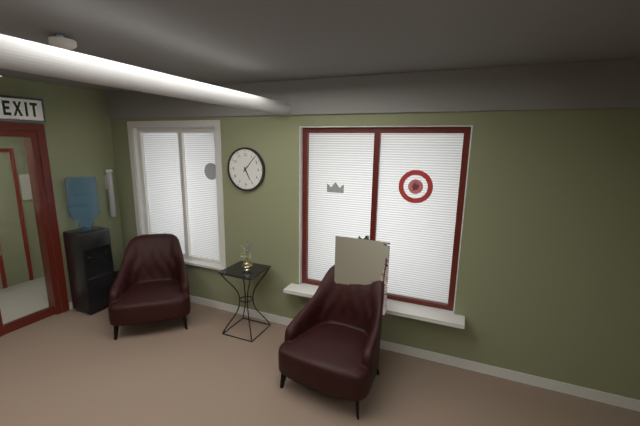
h=5 m=7
